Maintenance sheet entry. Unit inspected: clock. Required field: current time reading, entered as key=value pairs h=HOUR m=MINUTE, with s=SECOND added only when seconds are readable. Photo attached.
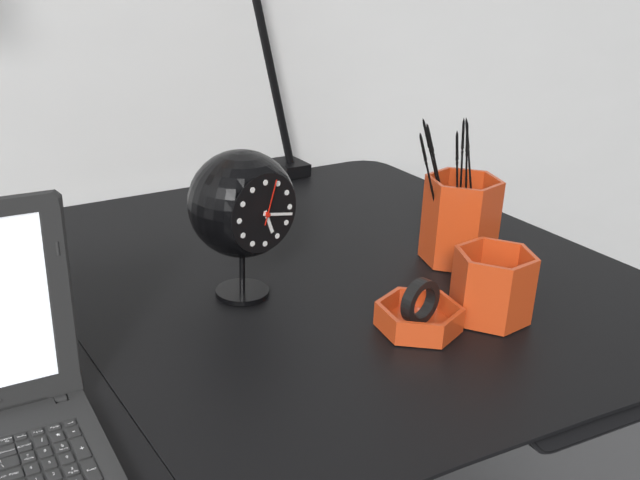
h=5 m=17 s=3
